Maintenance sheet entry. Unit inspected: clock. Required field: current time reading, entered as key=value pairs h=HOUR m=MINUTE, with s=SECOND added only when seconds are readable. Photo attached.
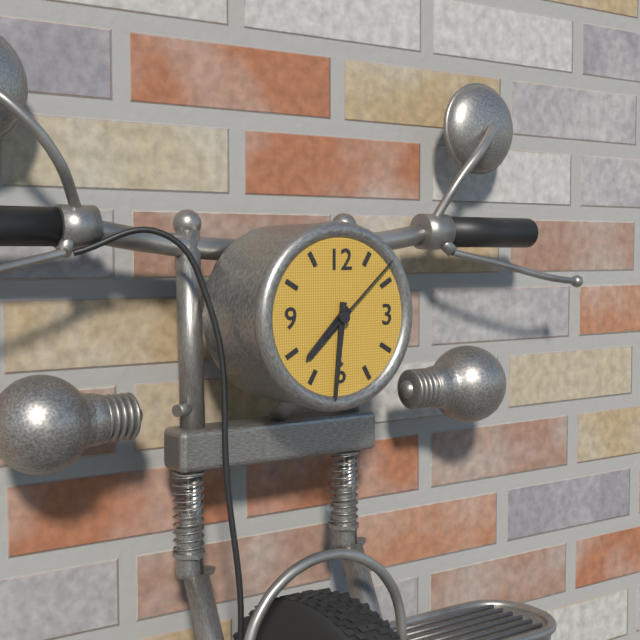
h=7 m=31 s=8
